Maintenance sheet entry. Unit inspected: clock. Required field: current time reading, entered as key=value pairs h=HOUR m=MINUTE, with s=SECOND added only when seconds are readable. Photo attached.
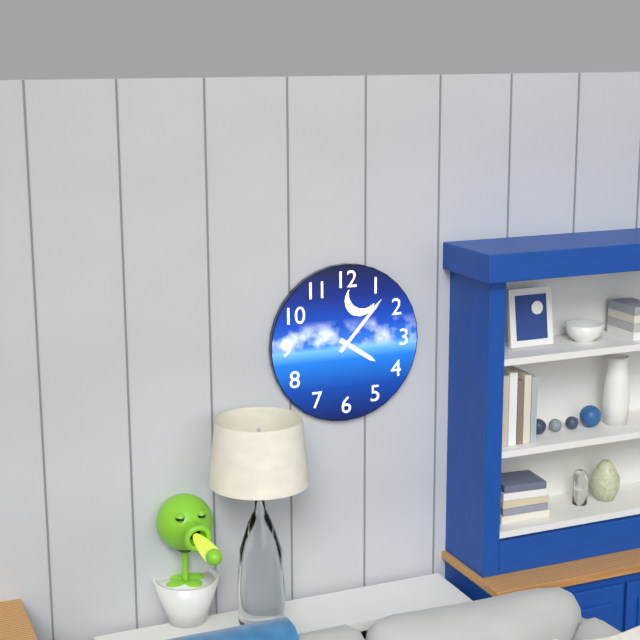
h=4 m=7
